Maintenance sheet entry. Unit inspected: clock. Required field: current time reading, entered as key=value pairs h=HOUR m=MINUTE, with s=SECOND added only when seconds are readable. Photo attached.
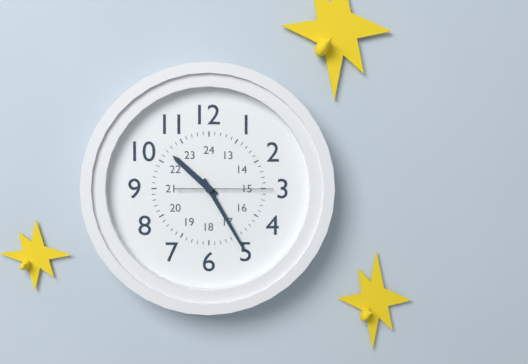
h=10 m=25 s=15
